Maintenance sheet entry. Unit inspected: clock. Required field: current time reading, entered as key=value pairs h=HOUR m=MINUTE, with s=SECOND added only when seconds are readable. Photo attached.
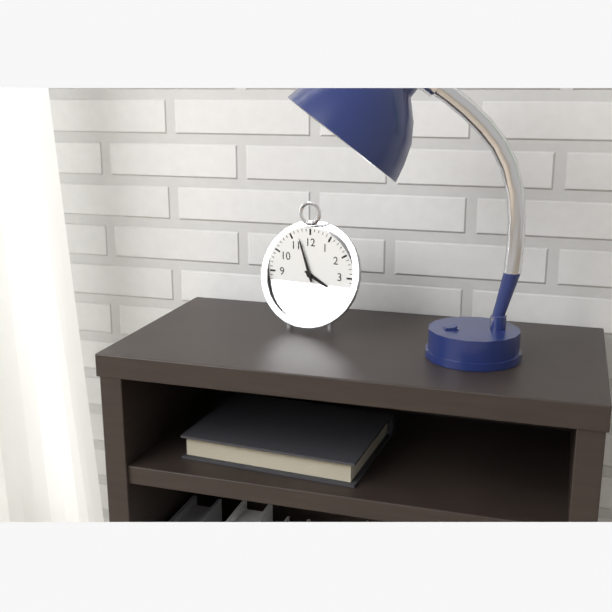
h=3 m=57
